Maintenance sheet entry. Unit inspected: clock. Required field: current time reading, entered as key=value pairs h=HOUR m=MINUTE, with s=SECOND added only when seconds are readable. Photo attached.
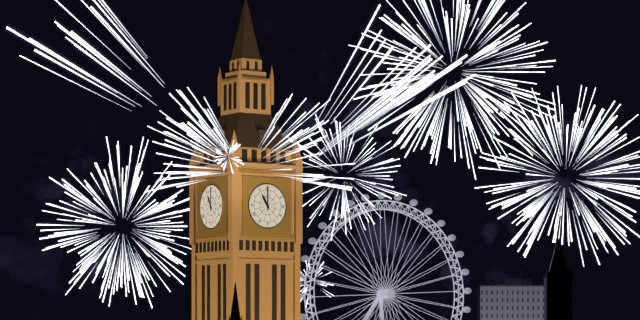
h=11 m=0
